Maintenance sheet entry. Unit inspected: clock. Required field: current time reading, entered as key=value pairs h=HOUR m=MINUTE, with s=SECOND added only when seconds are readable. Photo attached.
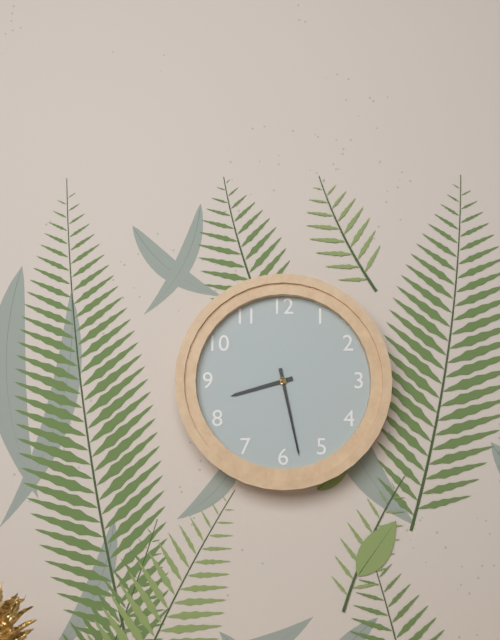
h=8 m=28
